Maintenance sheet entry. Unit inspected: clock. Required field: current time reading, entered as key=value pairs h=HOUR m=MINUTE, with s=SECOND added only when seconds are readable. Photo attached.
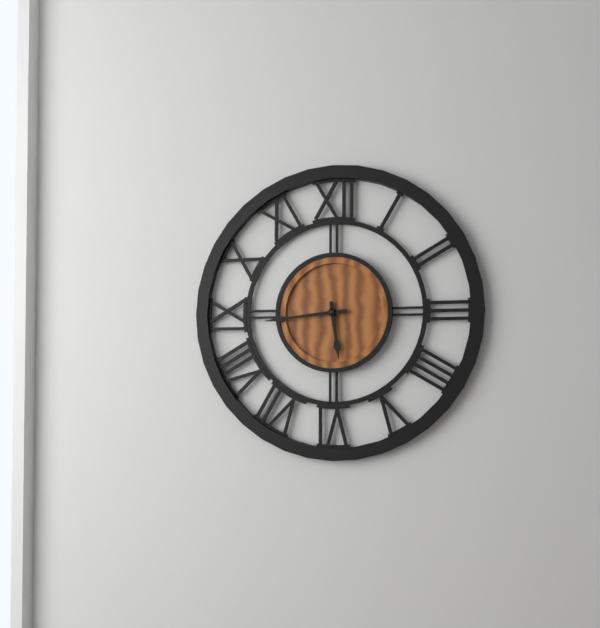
h=5 m=44
